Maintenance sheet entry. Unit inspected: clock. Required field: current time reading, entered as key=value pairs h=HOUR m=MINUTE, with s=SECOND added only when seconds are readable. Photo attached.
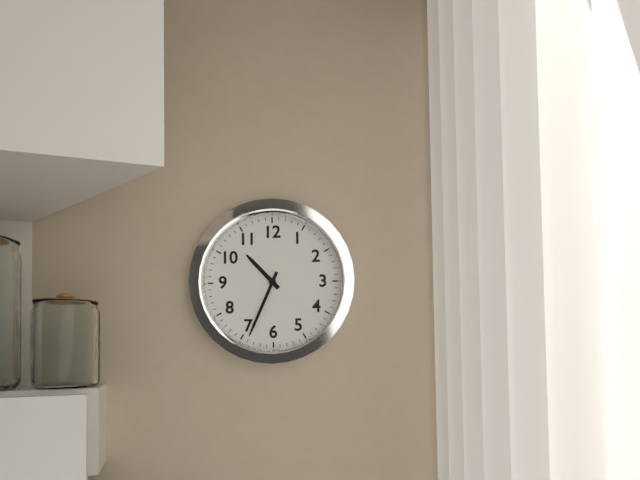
h=10 m=34
